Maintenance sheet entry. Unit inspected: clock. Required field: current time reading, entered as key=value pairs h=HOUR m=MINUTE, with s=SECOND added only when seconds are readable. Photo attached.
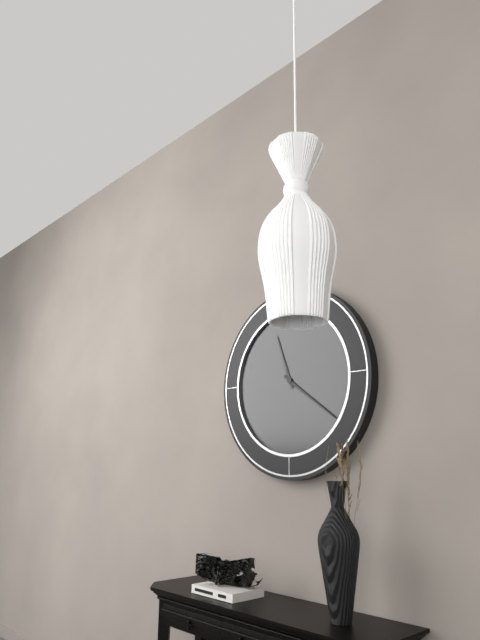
h=11 m=21
